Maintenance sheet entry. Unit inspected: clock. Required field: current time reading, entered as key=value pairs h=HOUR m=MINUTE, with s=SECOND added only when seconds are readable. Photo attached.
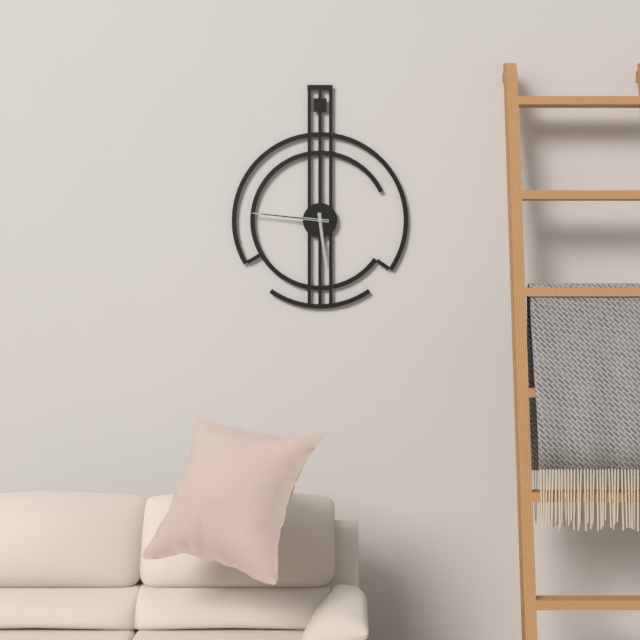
h=5 m=46 s=46
